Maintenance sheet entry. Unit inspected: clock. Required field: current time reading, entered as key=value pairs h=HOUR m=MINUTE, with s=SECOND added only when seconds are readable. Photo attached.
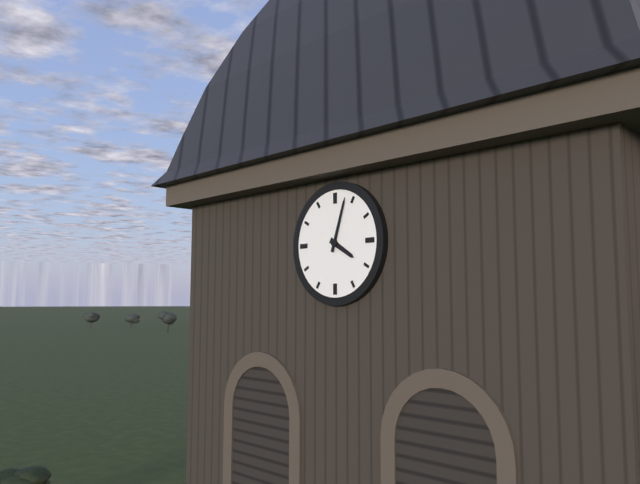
h=4 m=3
